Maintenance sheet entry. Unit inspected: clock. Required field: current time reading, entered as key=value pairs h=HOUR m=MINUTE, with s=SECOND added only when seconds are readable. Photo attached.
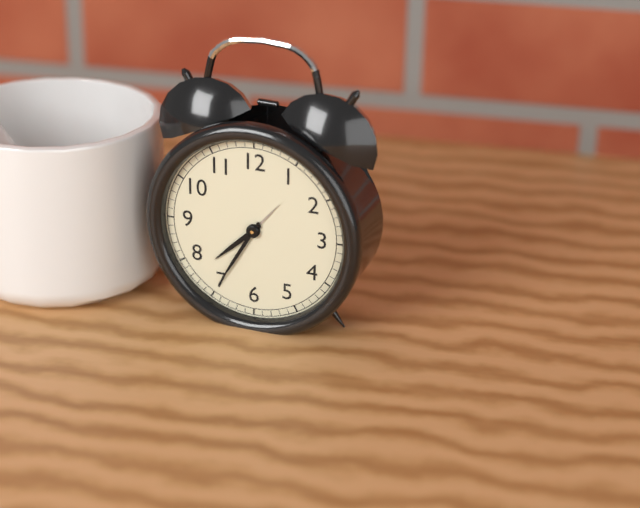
h=7 m=35
